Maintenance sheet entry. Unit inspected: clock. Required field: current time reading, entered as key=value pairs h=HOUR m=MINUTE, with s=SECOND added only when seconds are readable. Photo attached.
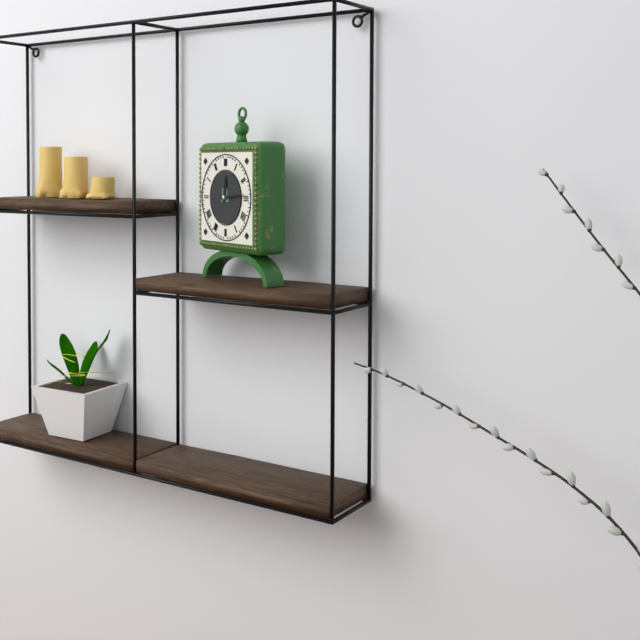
h=12 m=14
